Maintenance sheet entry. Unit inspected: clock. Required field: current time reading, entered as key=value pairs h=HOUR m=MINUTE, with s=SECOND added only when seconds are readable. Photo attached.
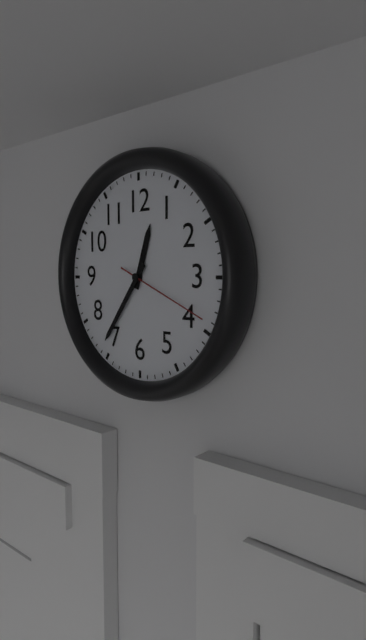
h=12 m=36 s=19
